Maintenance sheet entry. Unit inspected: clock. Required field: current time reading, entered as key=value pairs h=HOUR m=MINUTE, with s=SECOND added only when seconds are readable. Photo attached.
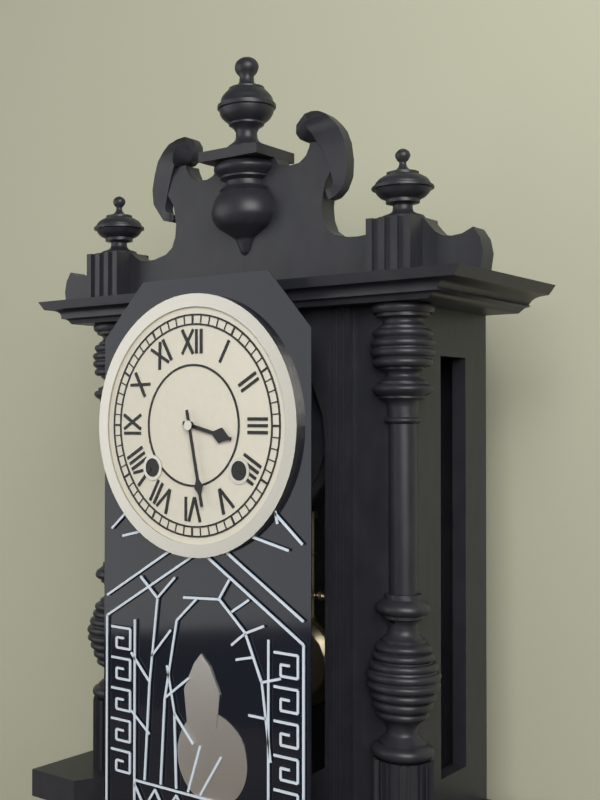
h=3 m=28
